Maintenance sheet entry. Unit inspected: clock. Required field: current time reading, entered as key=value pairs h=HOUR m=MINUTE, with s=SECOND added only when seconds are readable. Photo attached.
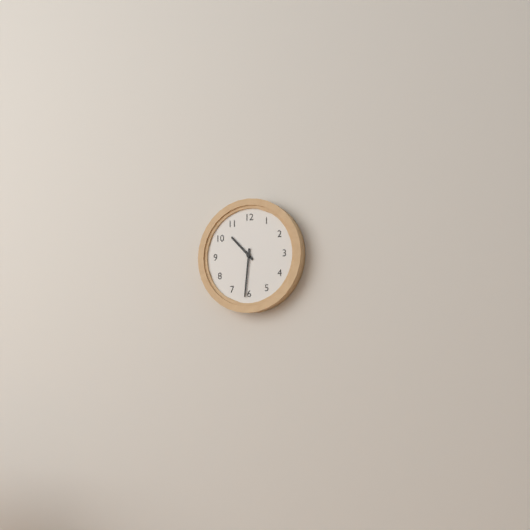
h=10 m=31
